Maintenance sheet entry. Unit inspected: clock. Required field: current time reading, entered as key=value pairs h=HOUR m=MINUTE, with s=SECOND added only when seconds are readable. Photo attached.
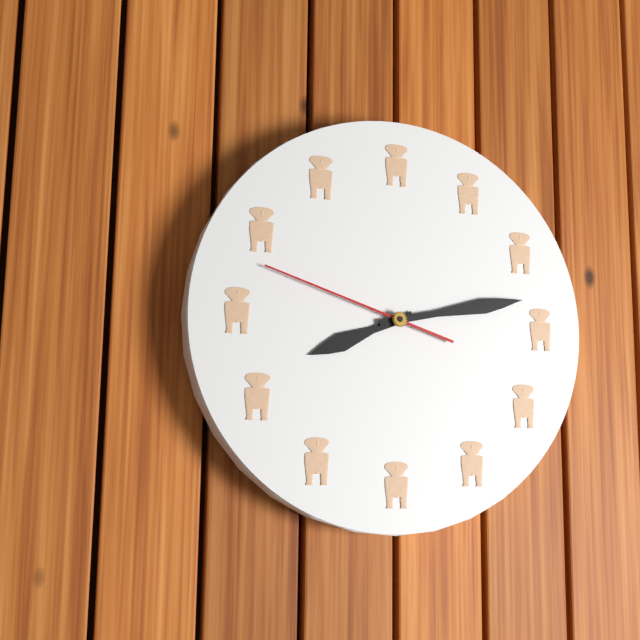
h=8 m=13 s=48
